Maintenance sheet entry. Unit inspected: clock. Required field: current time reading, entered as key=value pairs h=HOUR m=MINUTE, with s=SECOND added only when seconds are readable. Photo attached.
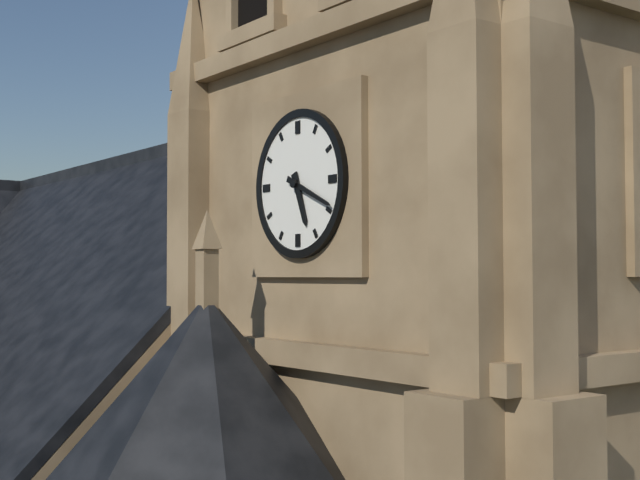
h=5 m=19
